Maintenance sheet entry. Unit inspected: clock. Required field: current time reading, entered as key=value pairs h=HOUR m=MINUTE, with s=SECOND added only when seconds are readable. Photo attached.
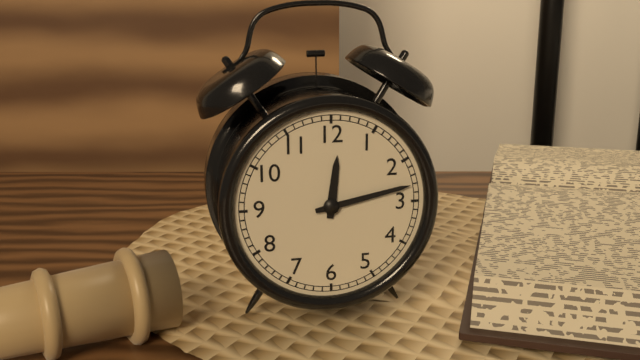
h=12 m=13
